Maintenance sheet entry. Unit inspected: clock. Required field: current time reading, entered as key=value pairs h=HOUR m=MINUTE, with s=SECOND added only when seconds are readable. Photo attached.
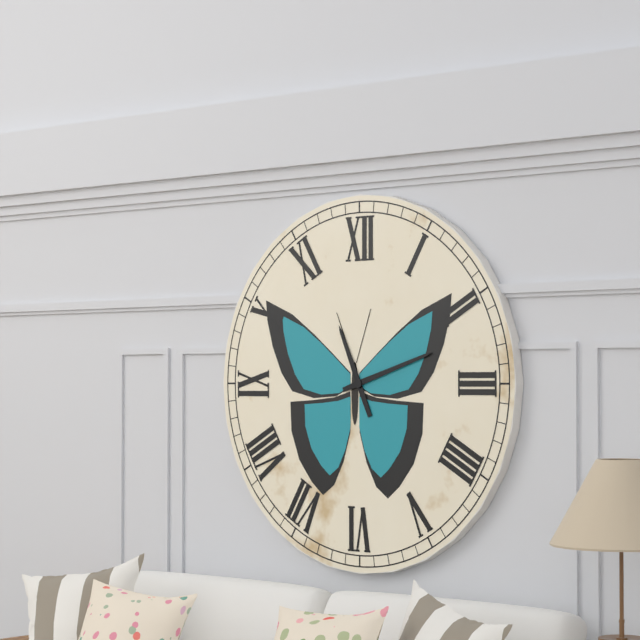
h=11 m=12
